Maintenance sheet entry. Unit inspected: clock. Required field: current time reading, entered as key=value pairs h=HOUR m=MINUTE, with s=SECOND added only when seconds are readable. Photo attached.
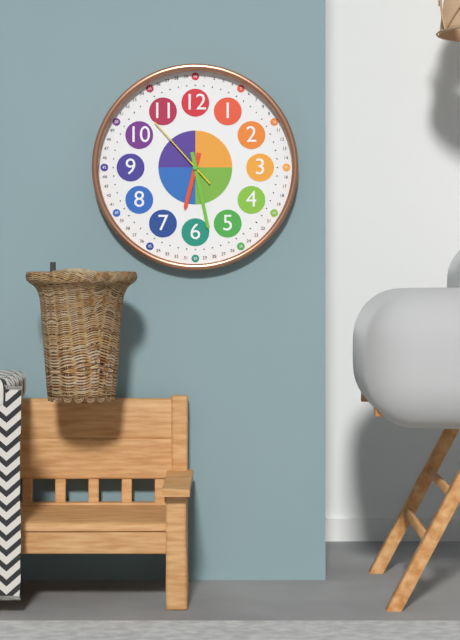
h=6 m=28 s=53
